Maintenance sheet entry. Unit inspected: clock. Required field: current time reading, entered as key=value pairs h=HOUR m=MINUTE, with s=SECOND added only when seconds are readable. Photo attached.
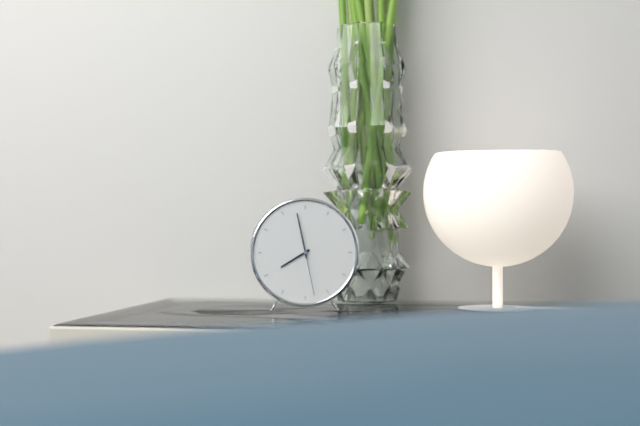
h=7 m=58 s=28
